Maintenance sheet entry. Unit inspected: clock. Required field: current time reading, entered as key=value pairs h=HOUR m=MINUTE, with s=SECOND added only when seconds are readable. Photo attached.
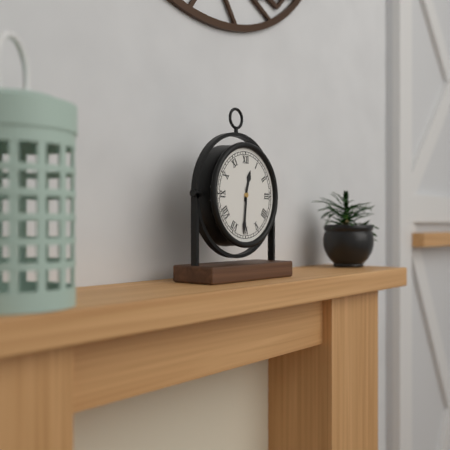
h=12 m=31
